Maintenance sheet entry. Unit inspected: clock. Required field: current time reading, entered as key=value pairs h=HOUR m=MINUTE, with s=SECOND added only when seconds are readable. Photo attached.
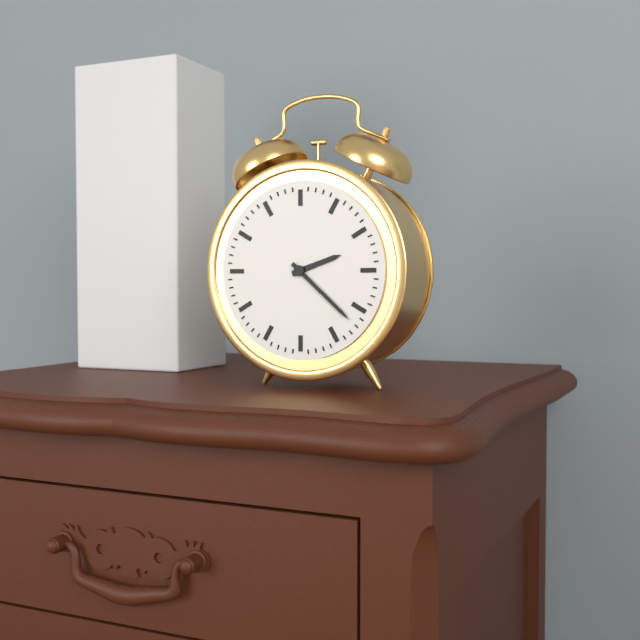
h=2 m=22
